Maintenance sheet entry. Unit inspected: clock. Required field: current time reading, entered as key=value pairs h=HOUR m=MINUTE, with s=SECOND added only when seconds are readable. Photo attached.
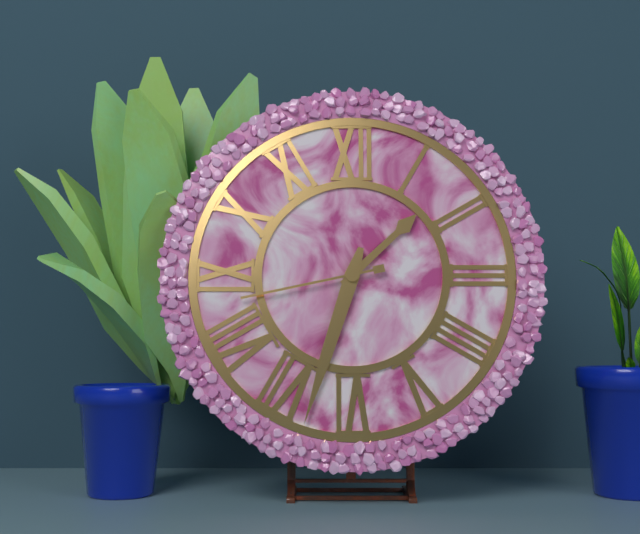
h=1 m=33 s=43
